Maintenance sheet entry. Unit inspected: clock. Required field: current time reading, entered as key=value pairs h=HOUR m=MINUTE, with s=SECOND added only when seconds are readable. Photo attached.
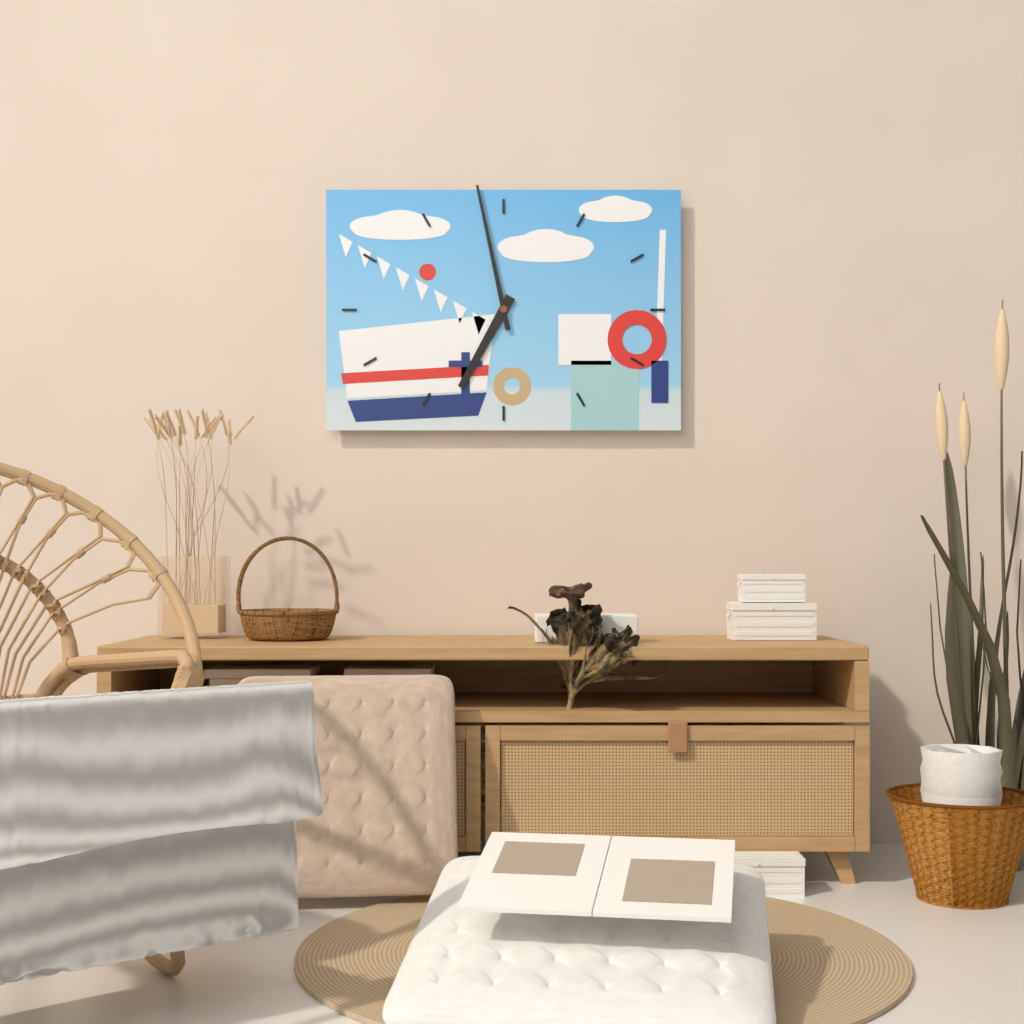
h=6 m=58
